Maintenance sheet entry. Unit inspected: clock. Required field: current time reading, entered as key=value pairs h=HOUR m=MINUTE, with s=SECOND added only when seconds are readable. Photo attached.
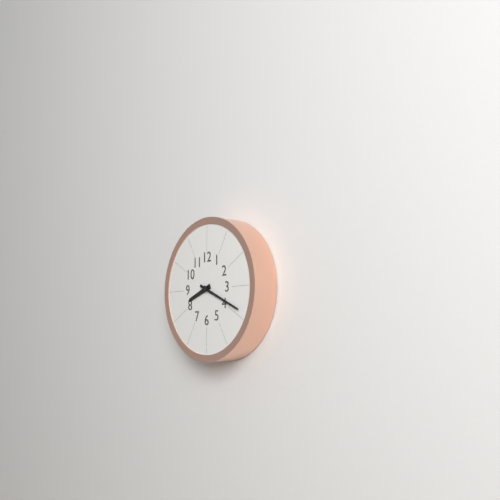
h=8 m=19
